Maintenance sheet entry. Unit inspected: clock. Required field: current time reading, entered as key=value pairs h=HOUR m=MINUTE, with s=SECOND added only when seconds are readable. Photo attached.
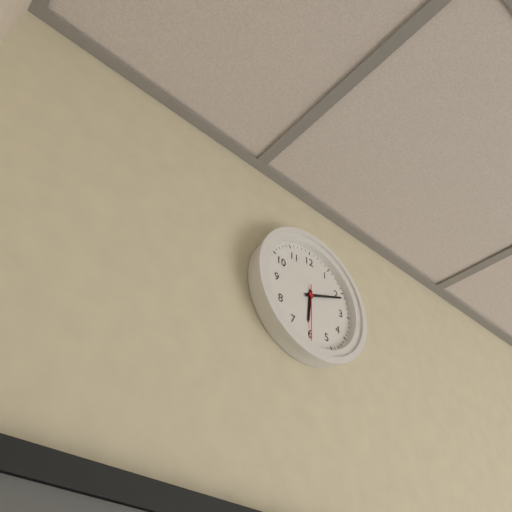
h=6 m=11 s=30
